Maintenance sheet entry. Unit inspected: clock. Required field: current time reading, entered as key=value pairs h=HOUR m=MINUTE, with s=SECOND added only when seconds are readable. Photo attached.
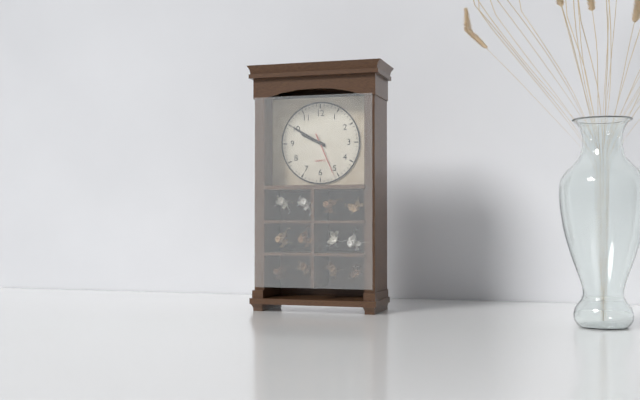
h=9 m=50
